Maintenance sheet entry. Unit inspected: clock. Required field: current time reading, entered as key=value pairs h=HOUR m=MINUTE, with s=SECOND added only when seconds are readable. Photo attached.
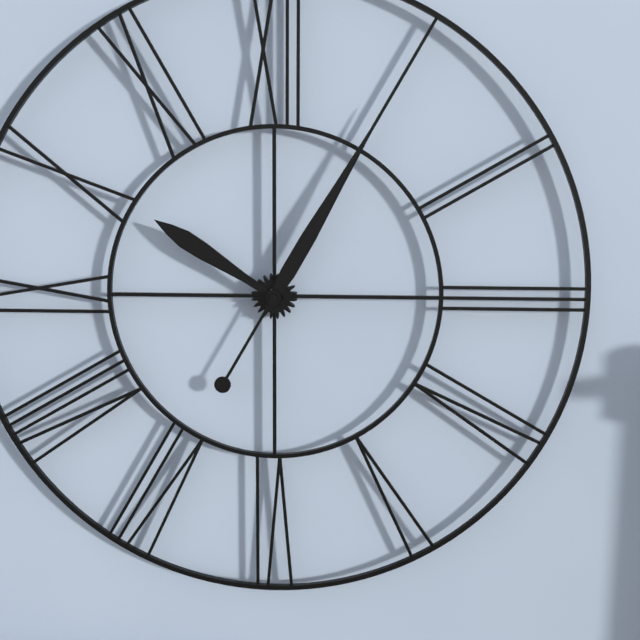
h=10 m=5
